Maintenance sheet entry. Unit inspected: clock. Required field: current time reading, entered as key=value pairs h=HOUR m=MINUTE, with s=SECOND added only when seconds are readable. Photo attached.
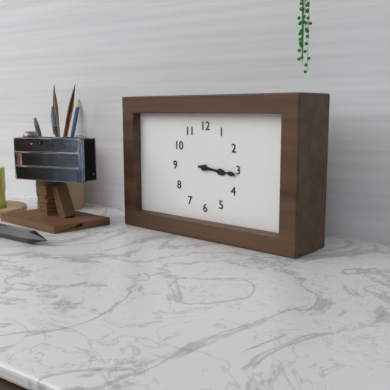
h=3 m=16
